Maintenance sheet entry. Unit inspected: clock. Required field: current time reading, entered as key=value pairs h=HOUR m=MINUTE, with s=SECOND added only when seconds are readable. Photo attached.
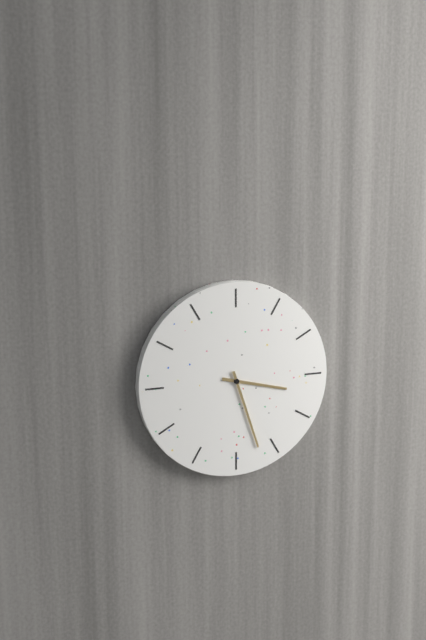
h=3 m=27
